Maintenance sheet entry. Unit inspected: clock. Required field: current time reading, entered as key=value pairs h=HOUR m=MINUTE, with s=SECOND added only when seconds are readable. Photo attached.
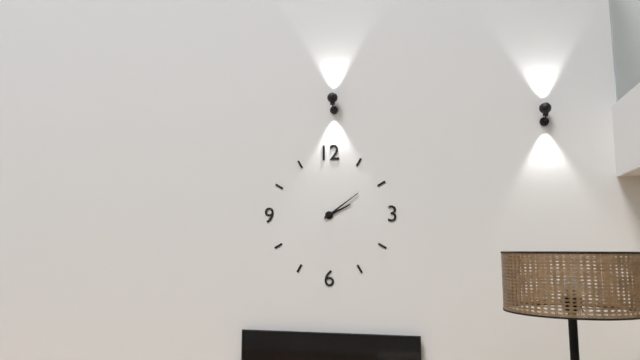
h=2 m=9
